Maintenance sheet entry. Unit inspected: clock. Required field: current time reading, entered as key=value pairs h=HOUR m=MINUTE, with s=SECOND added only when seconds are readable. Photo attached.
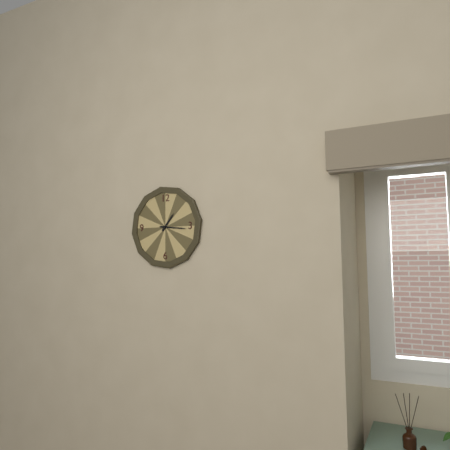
h=1 m=16
